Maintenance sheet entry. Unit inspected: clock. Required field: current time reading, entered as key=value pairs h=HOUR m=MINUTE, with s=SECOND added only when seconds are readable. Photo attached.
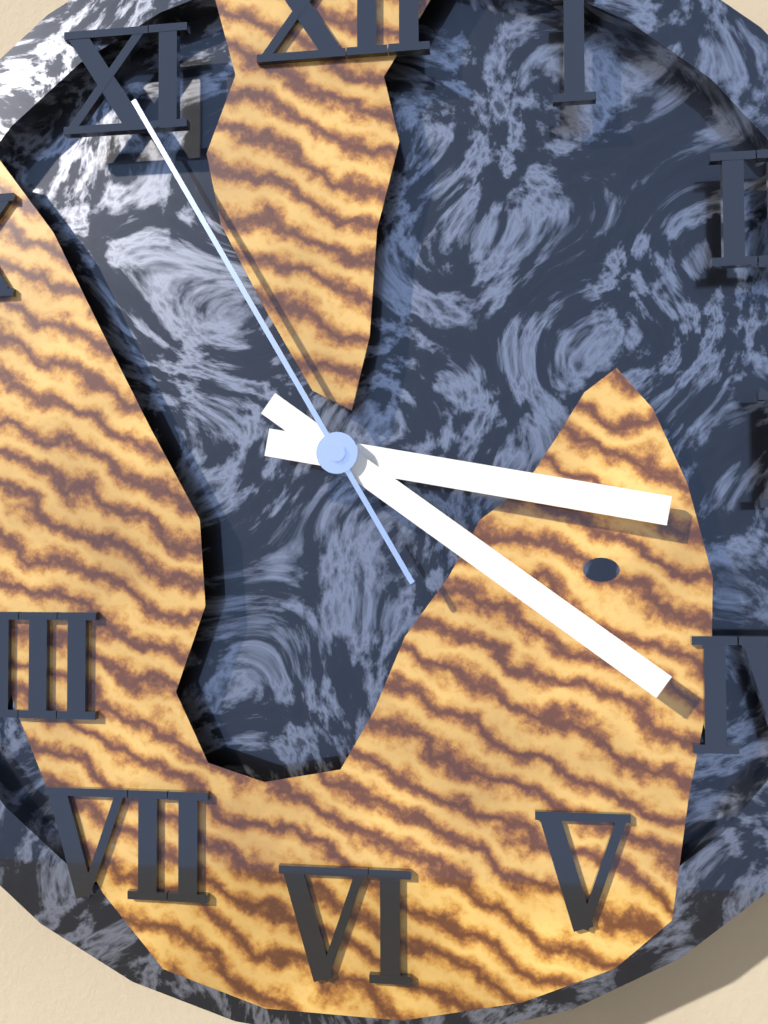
h=3 m=21 s=55
